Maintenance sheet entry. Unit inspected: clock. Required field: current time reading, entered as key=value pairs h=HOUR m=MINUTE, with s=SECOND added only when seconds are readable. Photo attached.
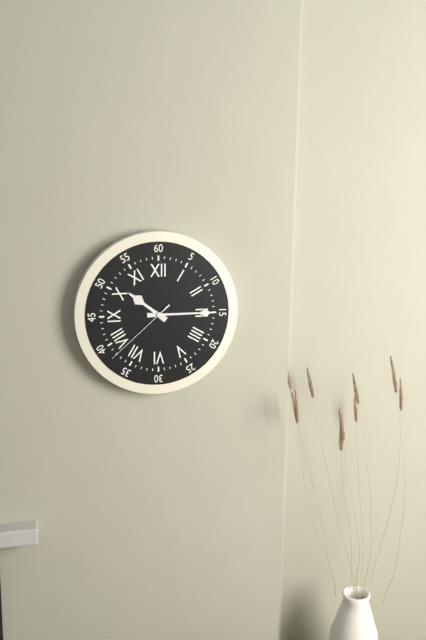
h=10 m=15 s=38
